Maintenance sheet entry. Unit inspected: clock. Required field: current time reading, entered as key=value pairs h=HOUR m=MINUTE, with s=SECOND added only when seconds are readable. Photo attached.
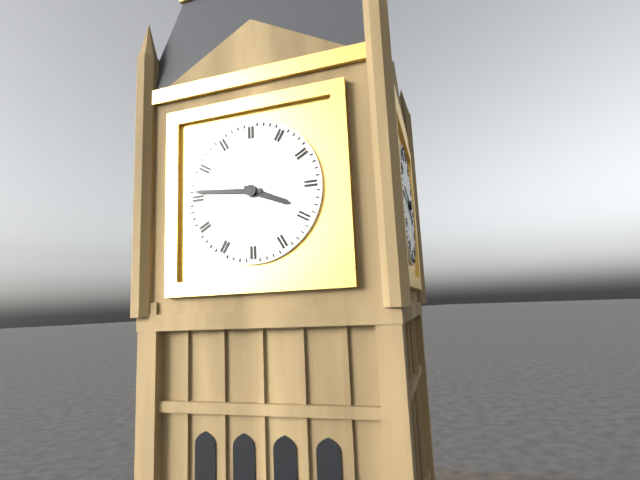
h=3 m=46
